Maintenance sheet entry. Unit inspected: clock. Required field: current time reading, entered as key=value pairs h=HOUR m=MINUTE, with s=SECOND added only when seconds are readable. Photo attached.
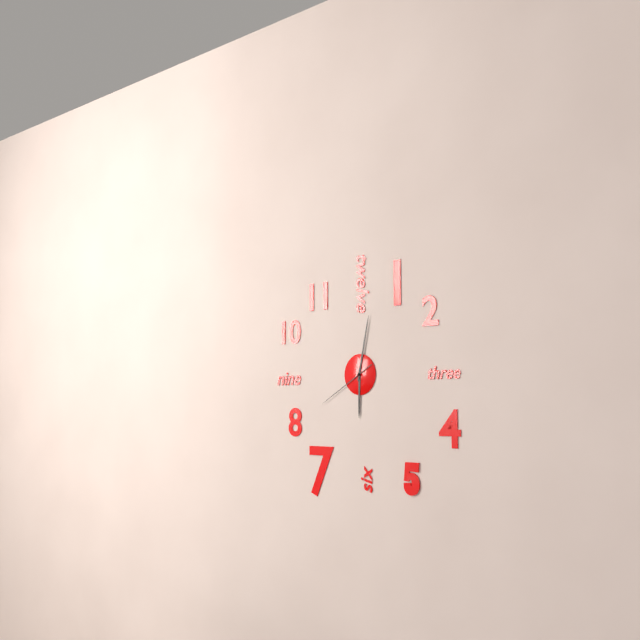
h=6 m=2 s=40
